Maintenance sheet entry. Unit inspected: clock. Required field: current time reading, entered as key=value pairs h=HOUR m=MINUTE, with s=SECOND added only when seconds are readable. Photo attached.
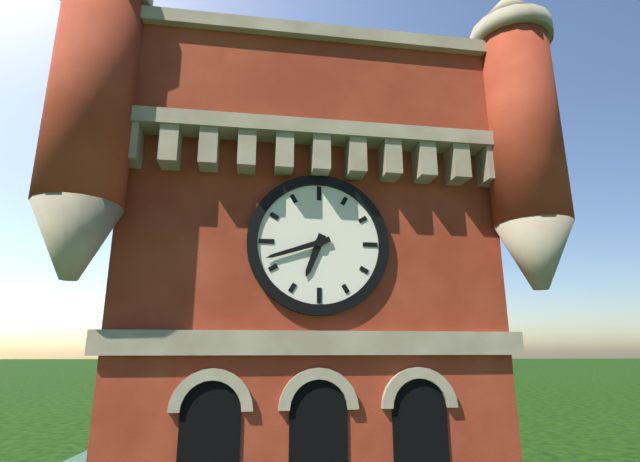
h=6 m=42
